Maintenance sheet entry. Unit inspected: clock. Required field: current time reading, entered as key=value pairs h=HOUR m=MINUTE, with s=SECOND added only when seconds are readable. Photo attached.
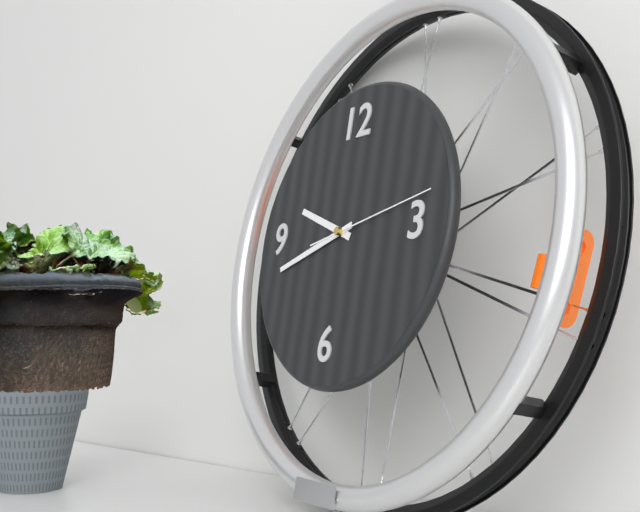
h=9 m=42 s=13
